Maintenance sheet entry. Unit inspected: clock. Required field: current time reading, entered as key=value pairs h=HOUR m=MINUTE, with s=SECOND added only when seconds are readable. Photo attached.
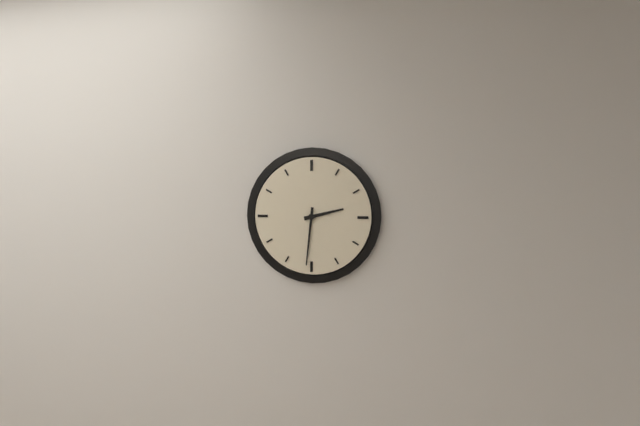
h=2 m=31
